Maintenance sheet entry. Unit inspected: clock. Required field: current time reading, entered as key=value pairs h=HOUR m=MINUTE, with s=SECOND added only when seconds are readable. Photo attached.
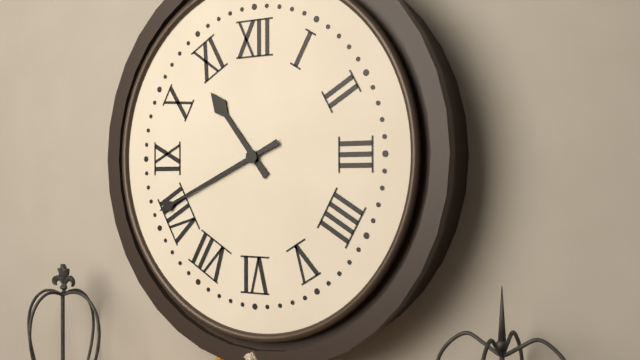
h=10 m=41
